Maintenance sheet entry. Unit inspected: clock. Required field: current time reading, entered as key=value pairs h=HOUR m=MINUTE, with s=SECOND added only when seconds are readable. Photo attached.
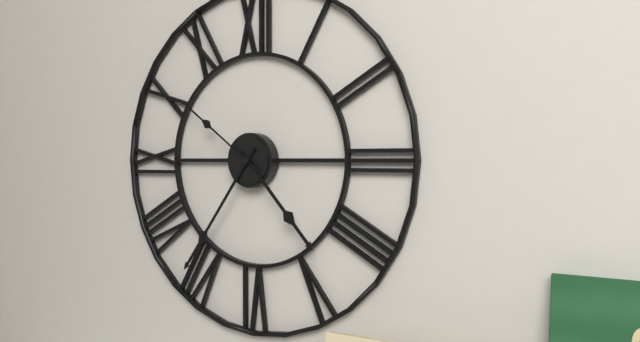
h=4 m=36 s=51
